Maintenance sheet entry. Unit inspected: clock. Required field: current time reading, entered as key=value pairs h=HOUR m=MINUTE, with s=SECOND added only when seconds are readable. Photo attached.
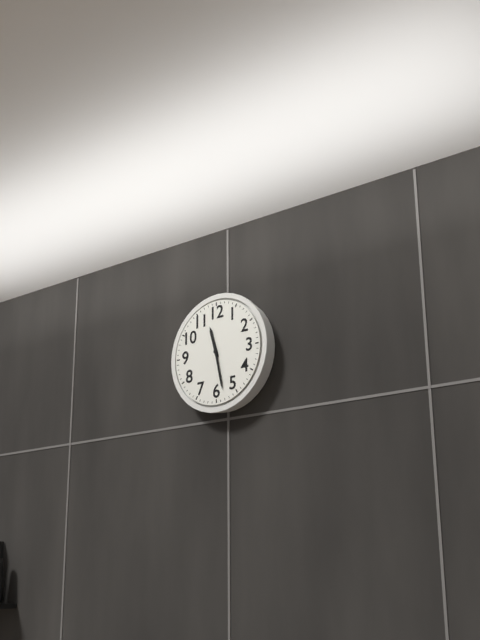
h=11 m=28
